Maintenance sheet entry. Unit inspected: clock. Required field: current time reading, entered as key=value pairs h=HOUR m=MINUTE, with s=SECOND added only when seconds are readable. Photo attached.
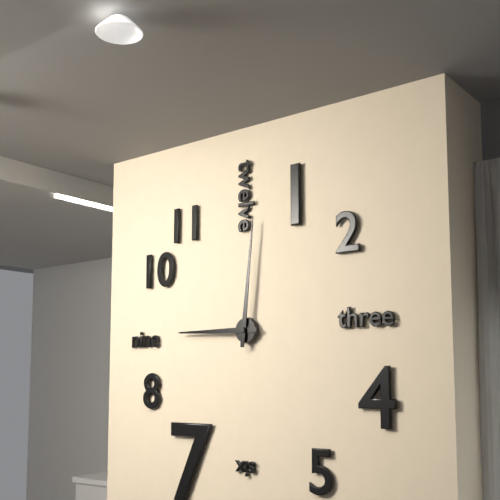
h=9 m=1
